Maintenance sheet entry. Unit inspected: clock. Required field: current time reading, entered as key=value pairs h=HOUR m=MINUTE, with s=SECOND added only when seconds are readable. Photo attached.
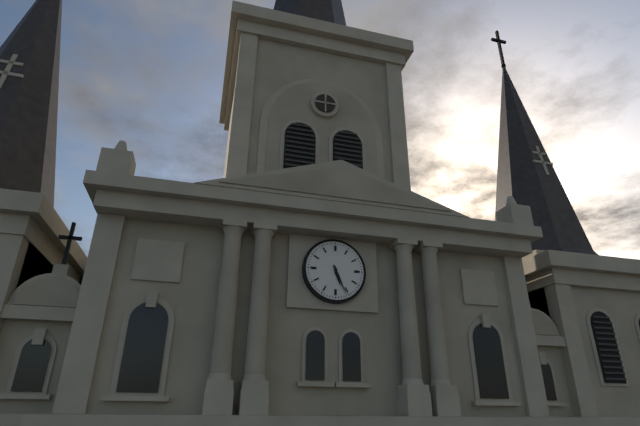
h=5 m=26
